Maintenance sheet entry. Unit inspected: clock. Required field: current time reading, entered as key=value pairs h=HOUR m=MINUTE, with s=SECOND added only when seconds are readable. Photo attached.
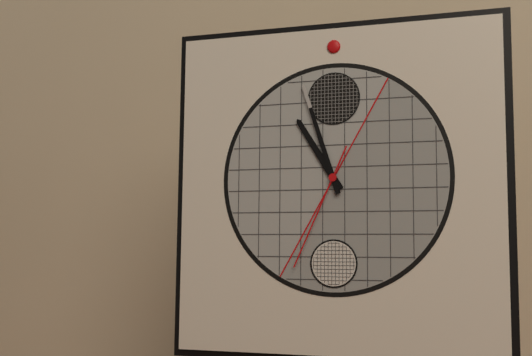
h=10 m=57 s=34
